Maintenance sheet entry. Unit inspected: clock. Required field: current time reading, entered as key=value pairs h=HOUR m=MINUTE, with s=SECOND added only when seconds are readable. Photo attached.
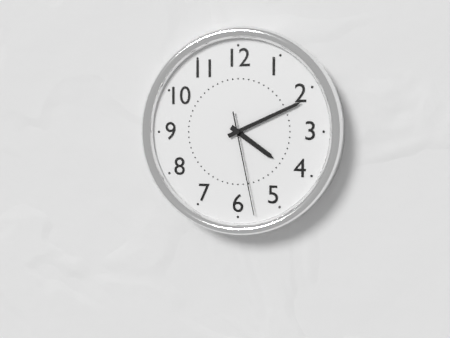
h=4 m=11 s=28
